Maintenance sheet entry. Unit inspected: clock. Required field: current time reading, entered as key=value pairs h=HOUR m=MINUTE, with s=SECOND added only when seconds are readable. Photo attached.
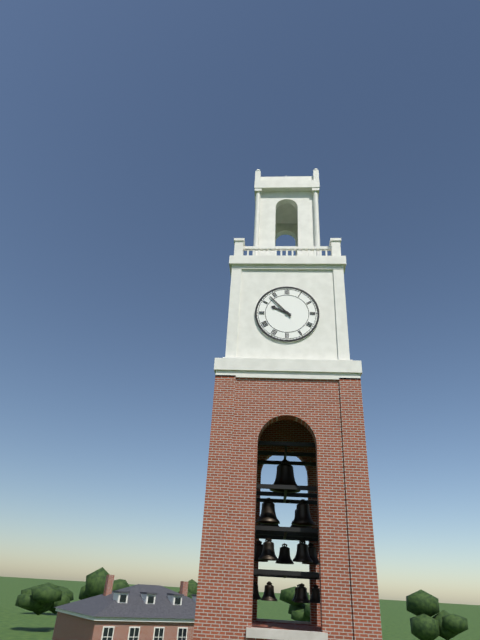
h=9 m=53
